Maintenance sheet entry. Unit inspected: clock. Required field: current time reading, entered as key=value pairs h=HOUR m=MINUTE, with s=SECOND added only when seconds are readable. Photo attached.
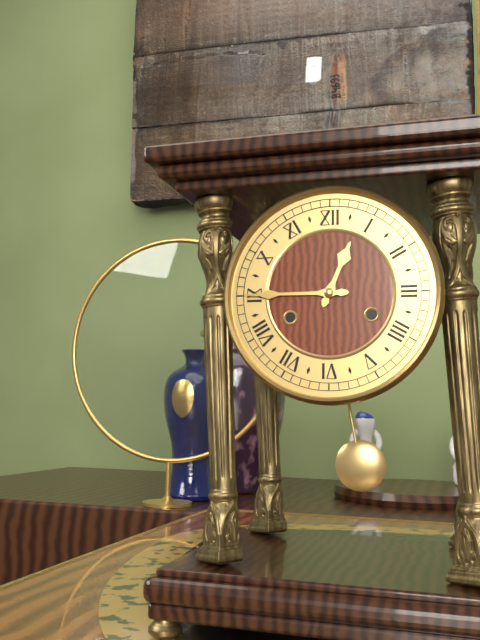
h=12 m=45
